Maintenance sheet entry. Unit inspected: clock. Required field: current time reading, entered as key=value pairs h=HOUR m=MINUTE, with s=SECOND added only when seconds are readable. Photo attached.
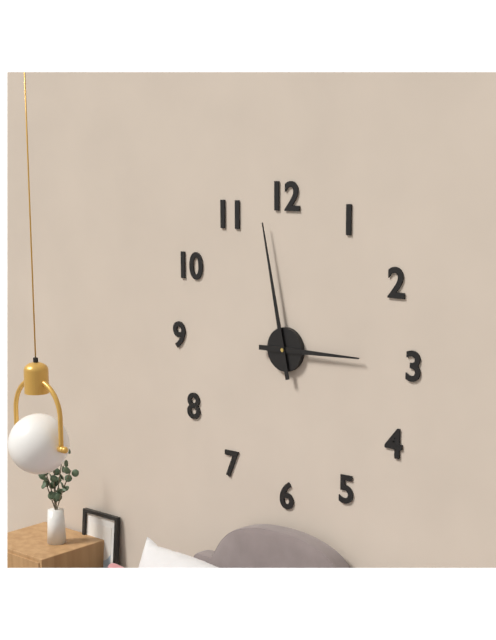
h=2 m=58
